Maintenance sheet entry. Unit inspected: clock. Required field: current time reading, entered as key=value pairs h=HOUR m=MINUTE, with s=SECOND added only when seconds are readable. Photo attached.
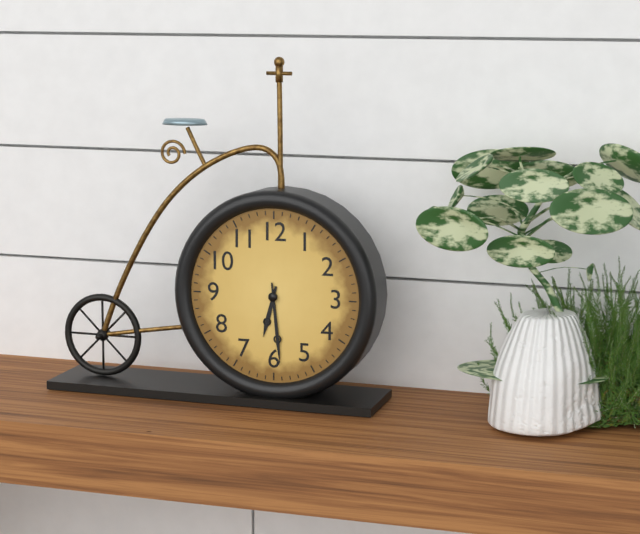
h=6 m=29
